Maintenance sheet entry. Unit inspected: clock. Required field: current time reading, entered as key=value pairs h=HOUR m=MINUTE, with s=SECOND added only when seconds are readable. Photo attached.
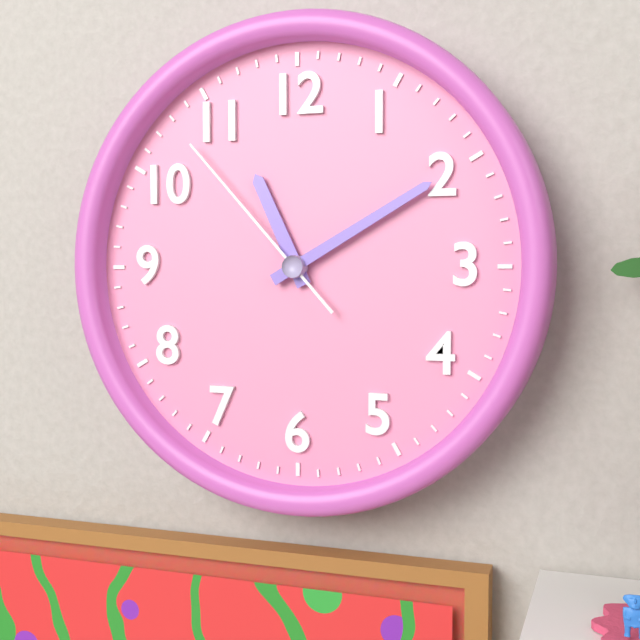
h=11 m=10 s=53
